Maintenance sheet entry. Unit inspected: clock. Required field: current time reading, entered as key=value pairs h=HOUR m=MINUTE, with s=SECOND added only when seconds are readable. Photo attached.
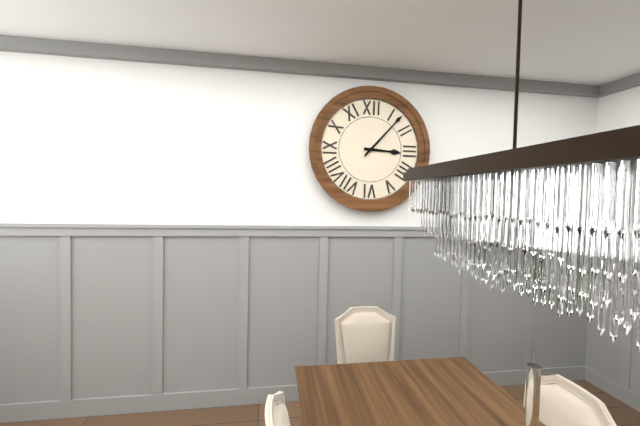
h=3 m=7
